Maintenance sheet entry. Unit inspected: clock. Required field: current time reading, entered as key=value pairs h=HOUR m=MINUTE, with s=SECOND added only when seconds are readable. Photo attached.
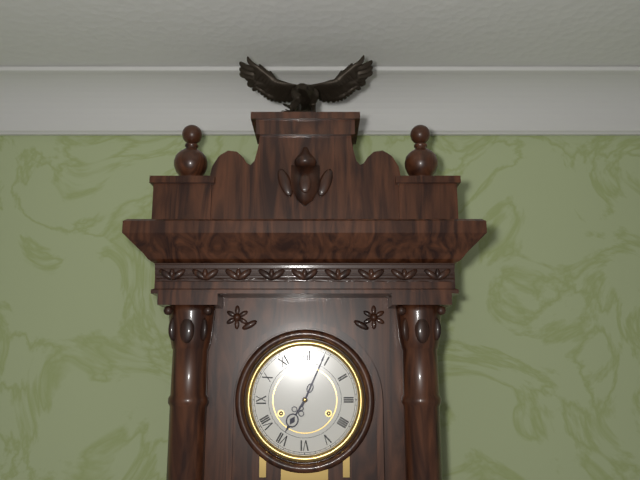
h=7 m=4
